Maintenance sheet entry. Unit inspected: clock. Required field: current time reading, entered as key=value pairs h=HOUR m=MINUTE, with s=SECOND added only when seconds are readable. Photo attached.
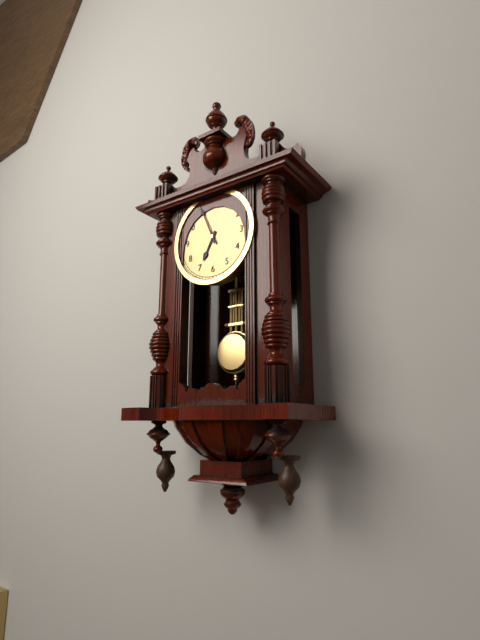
h=6 m=56
